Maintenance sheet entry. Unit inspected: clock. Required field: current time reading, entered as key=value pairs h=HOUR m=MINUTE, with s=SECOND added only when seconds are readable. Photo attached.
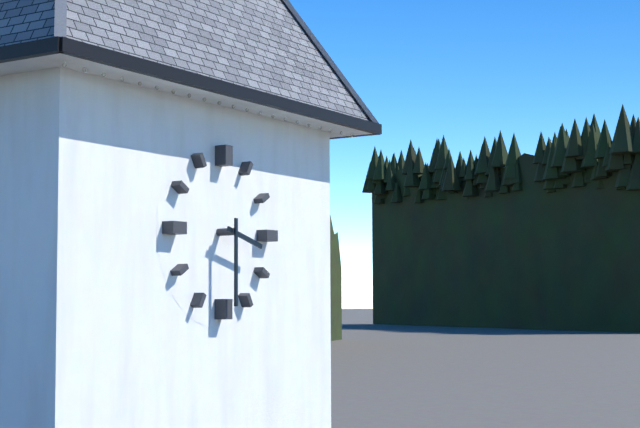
h=3 m=30
